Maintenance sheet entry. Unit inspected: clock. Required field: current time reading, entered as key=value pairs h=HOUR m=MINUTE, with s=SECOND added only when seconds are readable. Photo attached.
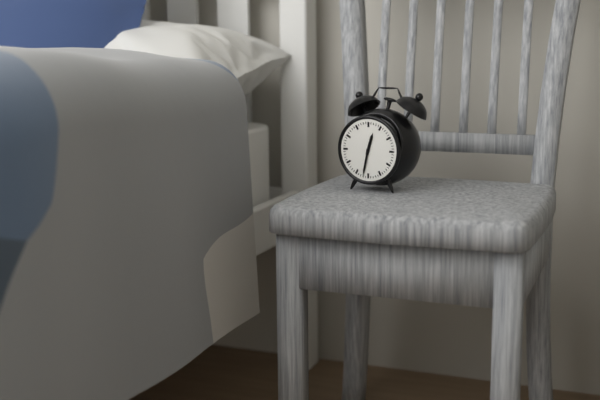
h=12 m=32
